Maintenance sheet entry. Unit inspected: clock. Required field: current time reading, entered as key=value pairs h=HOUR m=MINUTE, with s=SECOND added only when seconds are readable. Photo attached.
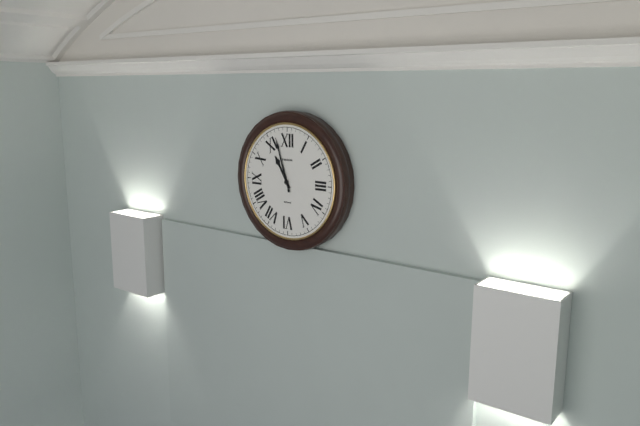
h=10 m=57
